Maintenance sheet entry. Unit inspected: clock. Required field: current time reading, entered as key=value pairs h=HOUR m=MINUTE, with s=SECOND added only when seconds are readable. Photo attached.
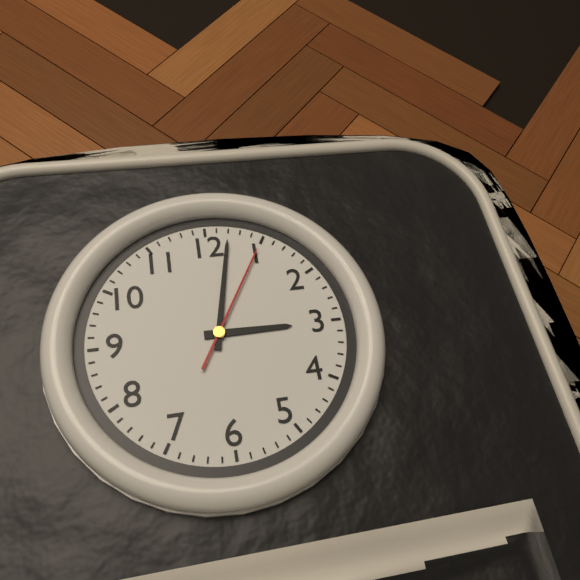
h=3 m=2 s=5
